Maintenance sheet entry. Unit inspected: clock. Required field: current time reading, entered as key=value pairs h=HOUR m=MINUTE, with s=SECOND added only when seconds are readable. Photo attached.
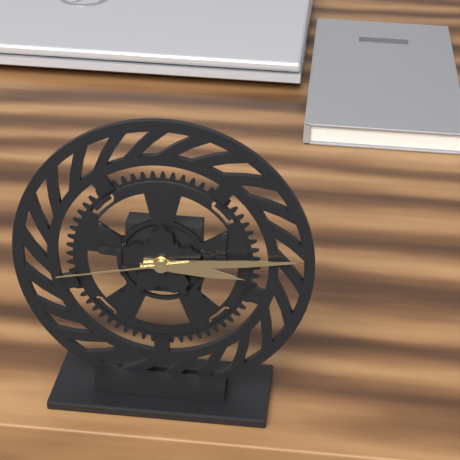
h=3 m=14 s=43
